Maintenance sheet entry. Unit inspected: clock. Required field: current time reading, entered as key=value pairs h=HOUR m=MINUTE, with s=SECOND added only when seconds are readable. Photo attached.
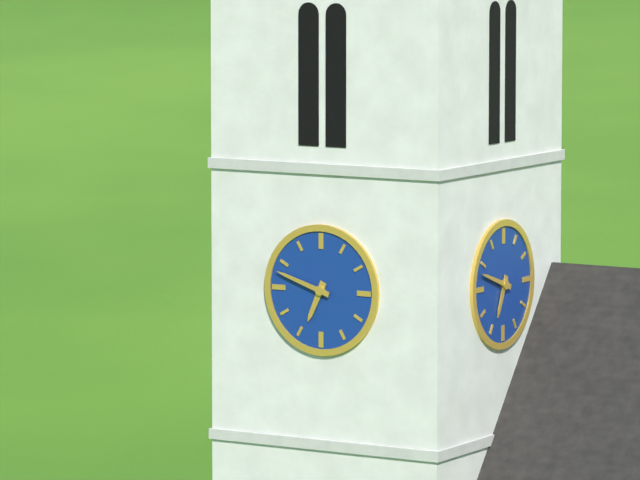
h=6 m=48
